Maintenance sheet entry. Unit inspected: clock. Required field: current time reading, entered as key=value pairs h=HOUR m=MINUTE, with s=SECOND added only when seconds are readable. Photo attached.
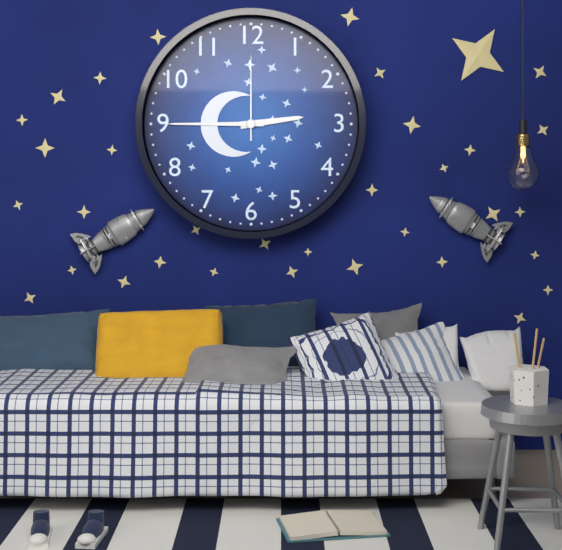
h=2 m=45 s=0
